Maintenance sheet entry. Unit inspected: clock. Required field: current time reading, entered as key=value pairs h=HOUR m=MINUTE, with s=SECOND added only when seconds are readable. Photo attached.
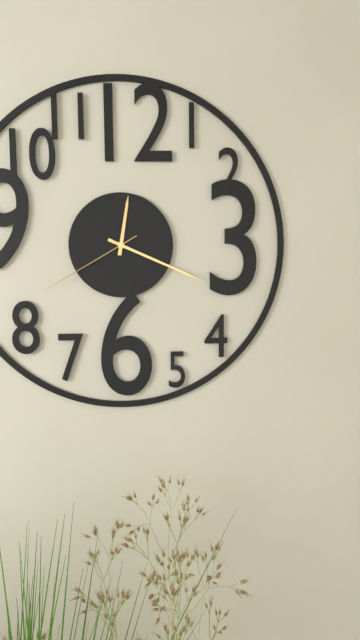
h=12 m=19 s=40
